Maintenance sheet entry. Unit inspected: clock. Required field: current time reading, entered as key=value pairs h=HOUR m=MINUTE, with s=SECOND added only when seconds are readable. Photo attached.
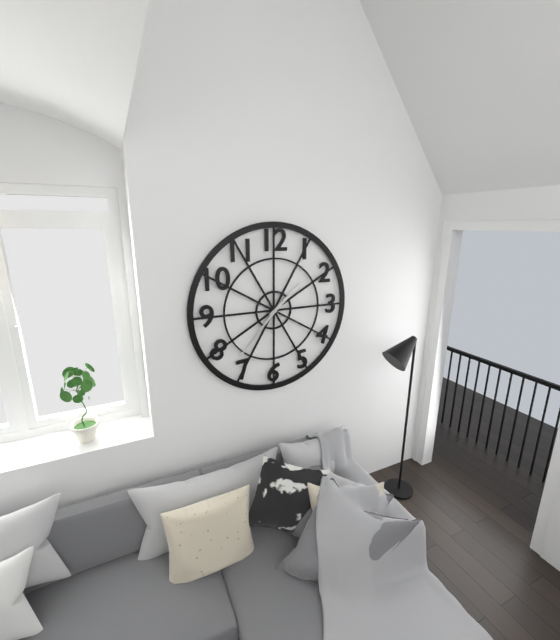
h=1 m=37
